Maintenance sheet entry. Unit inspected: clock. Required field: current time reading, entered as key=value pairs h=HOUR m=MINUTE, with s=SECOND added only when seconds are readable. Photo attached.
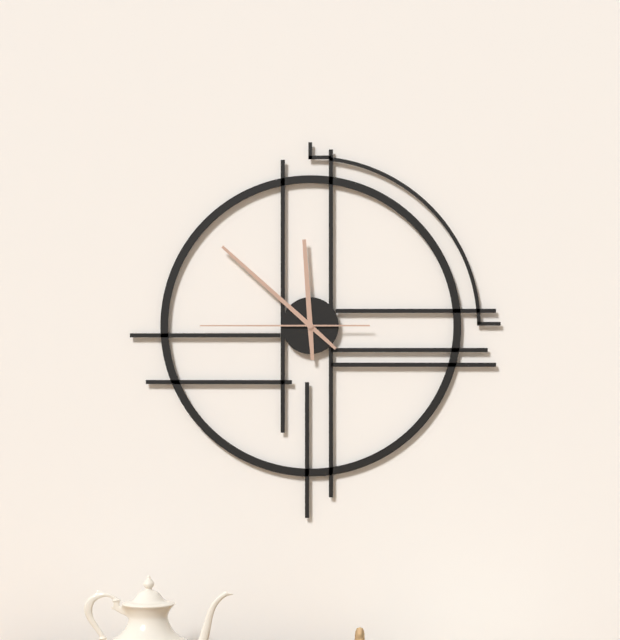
h=11 m=52 s=45
